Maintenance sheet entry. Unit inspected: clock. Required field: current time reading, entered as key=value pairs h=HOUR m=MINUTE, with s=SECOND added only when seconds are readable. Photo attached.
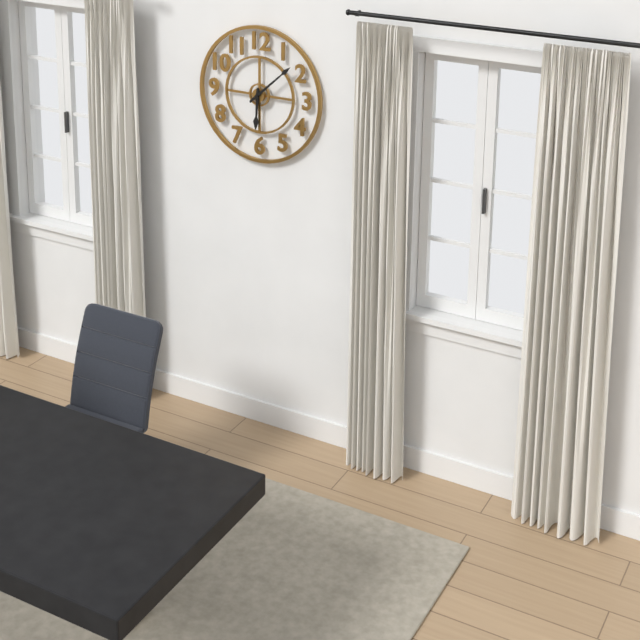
h=6 m=8
